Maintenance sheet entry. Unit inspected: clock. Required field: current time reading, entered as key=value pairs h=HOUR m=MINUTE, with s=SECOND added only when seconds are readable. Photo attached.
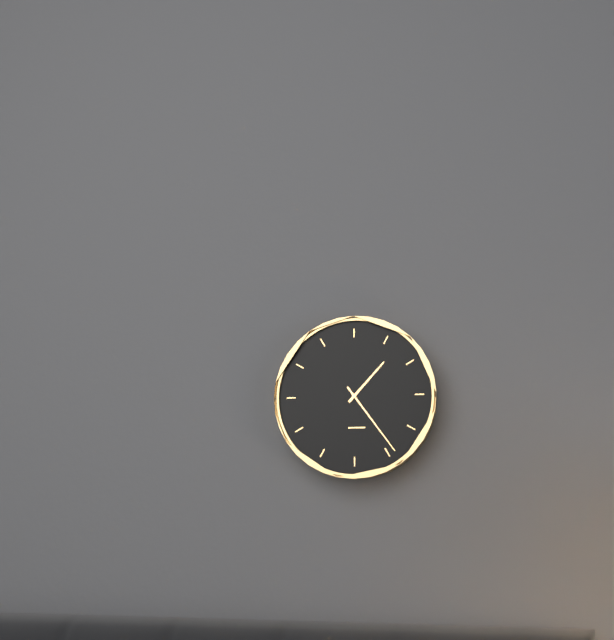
h=1 m=24
